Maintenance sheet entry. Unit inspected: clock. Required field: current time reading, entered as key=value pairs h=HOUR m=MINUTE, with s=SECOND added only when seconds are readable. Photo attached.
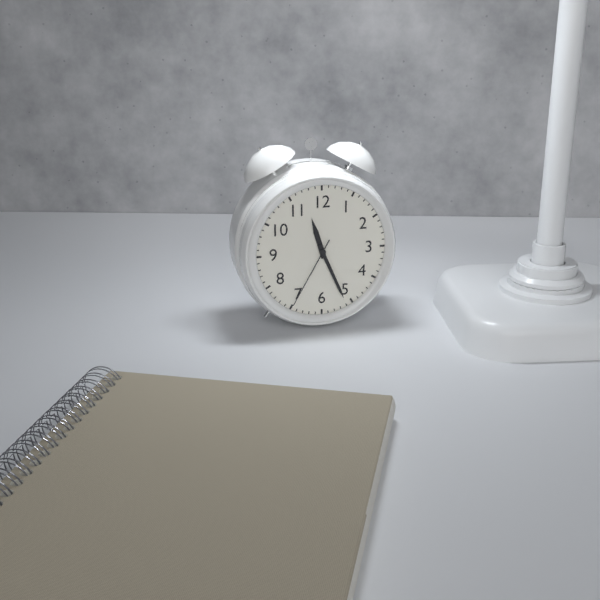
h=11 m=26 s=35
